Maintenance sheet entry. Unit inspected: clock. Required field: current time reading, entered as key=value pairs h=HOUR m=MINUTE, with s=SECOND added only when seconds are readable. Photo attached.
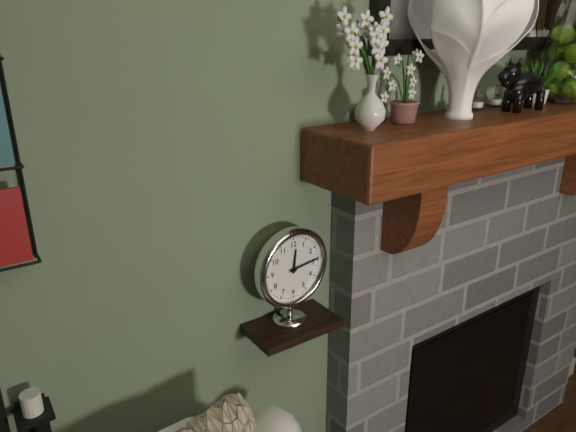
h=12 m=14
